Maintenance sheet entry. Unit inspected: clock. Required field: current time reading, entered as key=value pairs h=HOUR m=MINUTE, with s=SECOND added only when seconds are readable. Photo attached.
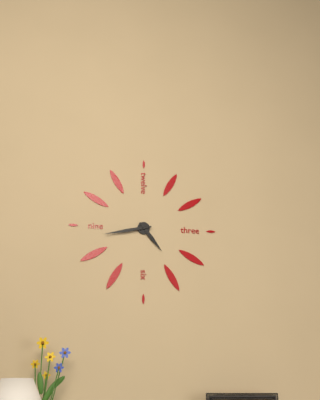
h=4 m=43
